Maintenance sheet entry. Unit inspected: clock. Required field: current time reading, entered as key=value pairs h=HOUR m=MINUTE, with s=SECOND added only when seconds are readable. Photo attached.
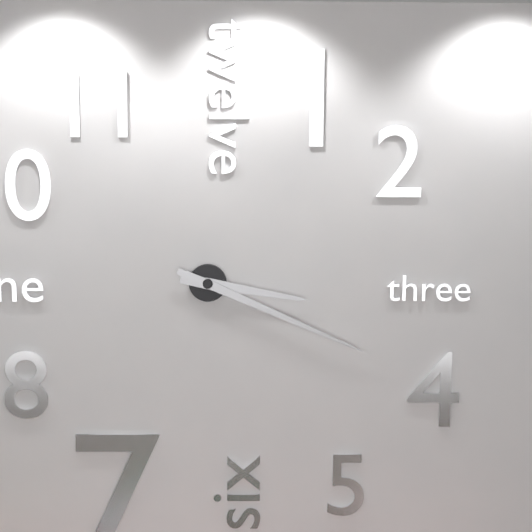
h=3 m=19
